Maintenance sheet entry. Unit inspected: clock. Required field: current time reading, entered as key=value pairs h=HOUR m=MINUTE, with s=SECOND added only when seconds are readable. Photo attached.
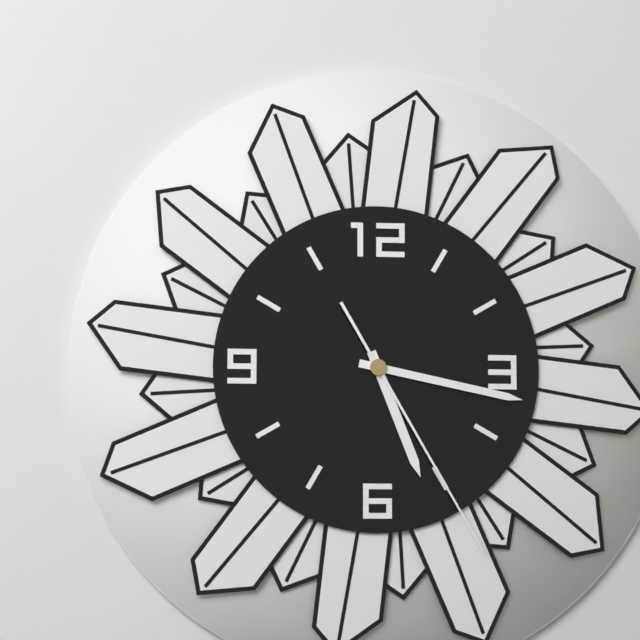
h=5 m=17 s=25
